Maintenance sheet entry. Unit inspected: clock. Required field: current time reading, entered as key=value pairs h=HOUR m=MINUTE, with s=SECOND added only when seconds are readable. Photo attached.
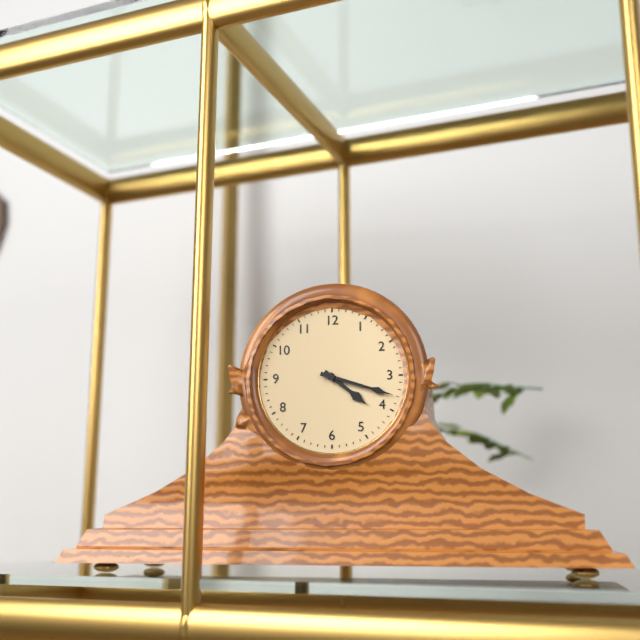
h=4 m=18
